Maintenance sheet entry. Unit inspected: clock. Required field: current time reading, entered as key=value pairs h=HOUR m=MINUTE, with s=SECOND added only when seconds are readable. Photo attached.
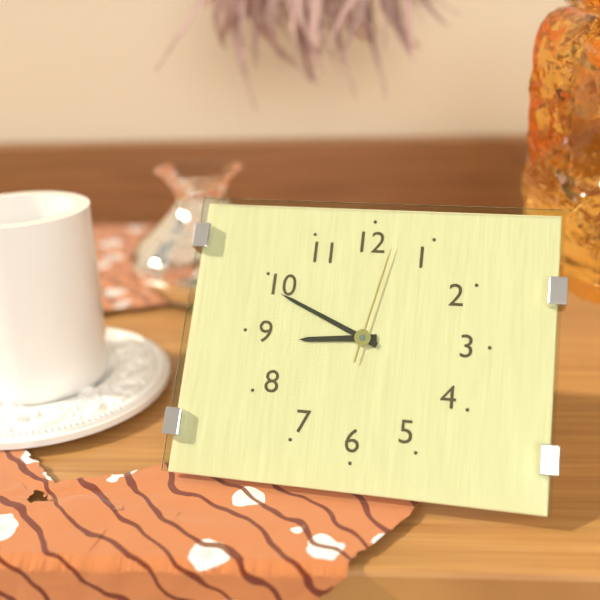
h=8 m=49 s=2
